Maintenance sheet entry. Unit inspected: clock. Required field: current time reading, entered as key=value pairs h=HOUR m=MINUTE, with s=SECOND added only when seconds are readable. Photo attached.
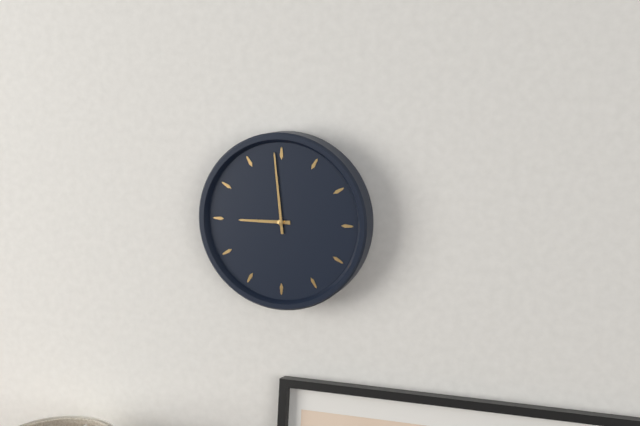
h=8 m=59
